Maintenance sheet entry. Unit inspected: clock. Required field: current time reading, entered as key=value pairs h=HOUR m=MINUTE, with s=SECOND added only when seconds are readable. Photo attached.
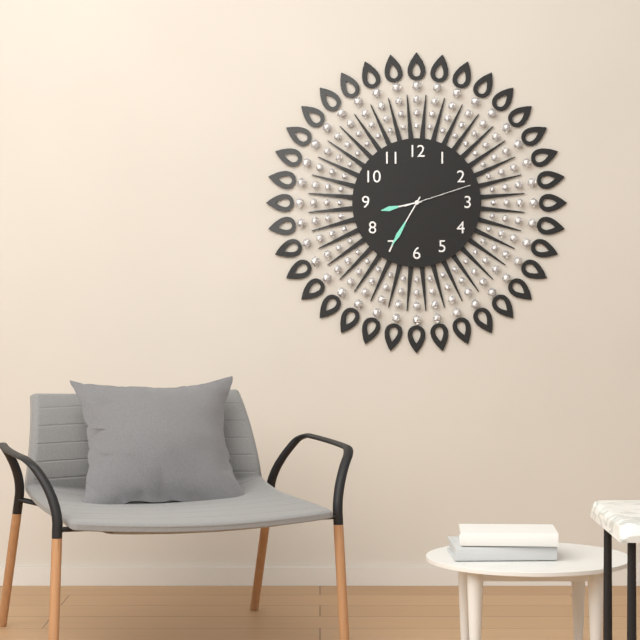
h=8 m=35 s=12
